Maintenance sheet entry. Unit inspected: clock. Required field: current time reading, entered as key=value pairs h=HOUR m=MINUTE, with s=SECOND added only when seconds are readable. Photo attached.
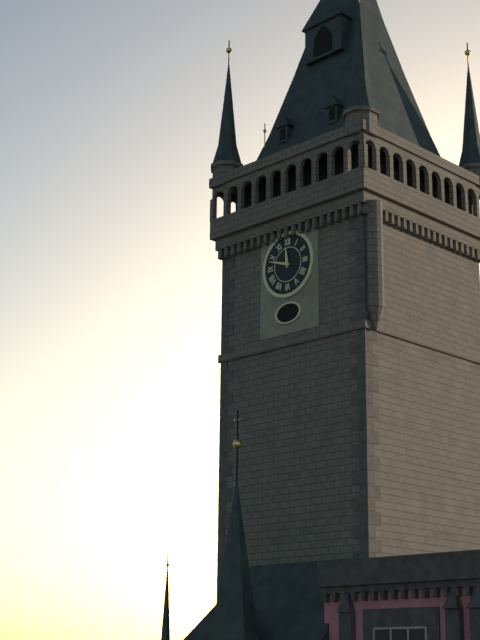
h=11 m=48
